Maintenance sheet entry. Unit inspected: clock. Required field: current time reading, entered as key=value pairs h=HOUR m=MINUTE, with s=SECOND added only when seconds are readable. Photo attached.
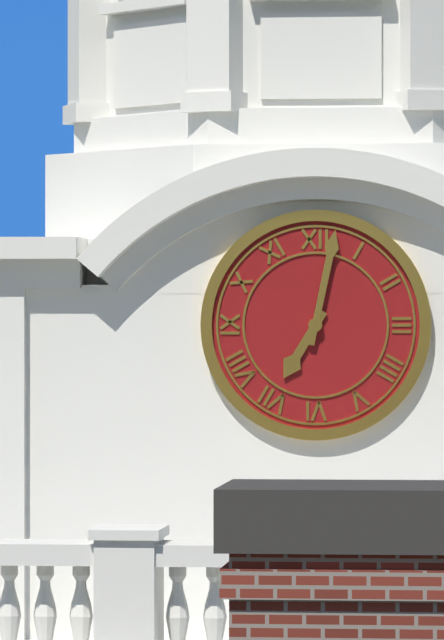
h=7 m=2
